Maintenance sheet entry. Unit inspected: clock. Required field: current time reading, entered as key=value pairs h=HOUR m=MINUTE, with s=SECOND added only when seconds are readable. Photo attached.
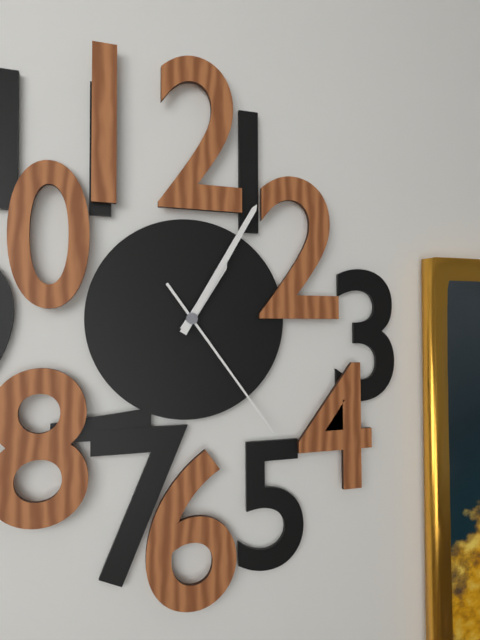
h=1 m=5 s=24
